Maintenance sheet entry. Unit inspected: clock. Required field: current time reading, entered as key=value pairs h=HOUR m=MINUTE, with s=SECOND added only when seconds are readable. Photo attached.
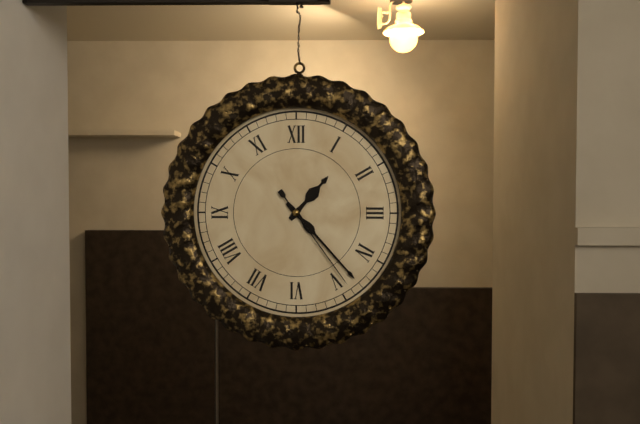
h=1 m=23 s=24
